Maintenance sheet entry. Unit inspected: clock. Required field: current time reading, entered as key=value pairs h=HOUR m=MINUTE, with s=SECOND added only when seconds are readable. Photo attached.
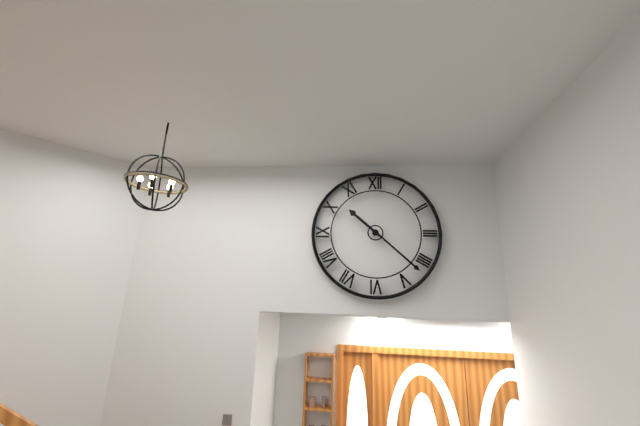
h=10 m=22
